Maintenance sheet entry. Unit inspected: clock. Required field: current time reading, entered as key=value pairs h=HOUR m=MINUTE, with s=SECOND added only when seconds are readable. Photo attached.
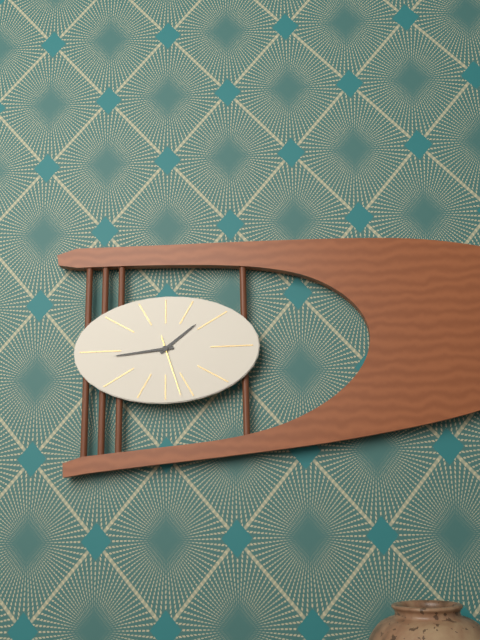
h=1 m=44 s=27
